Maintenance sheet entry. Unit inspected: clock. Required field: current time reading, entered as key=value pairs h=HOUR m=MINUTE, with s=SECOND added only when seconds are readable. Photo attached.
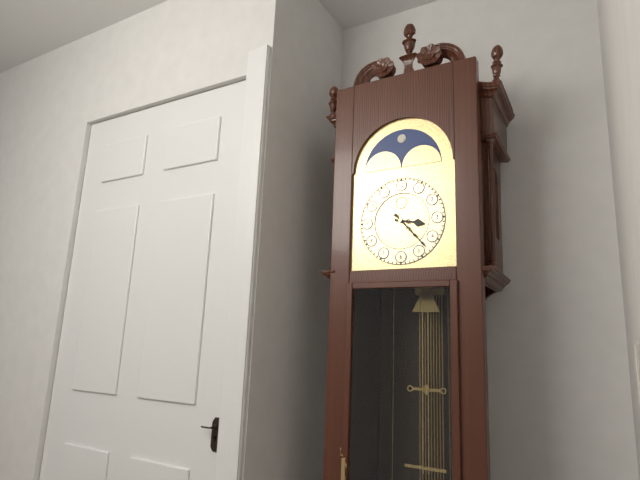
h=3 m=23
